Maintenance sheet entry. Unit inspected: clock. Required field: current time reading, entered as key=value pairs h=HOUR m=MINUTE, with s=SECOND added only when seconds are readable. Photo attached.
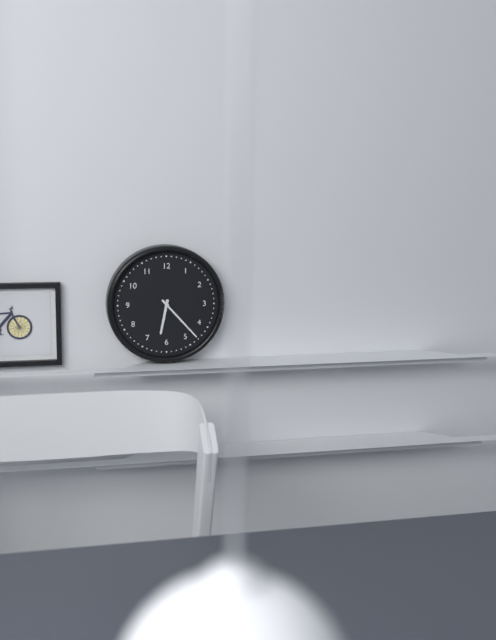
h=6 m=23
